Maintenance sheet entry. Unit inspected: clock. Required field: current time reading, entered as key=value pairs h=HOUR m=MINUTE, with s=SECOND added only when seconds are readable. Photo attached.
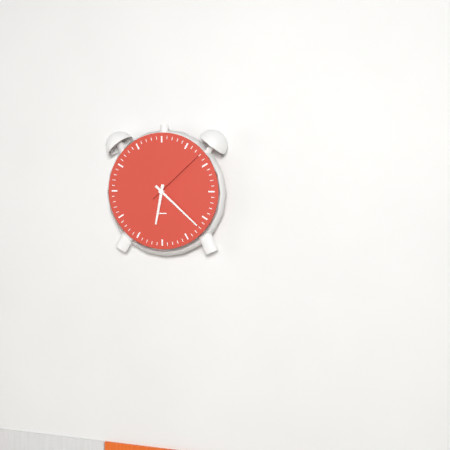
h=6 m=22 s=8
